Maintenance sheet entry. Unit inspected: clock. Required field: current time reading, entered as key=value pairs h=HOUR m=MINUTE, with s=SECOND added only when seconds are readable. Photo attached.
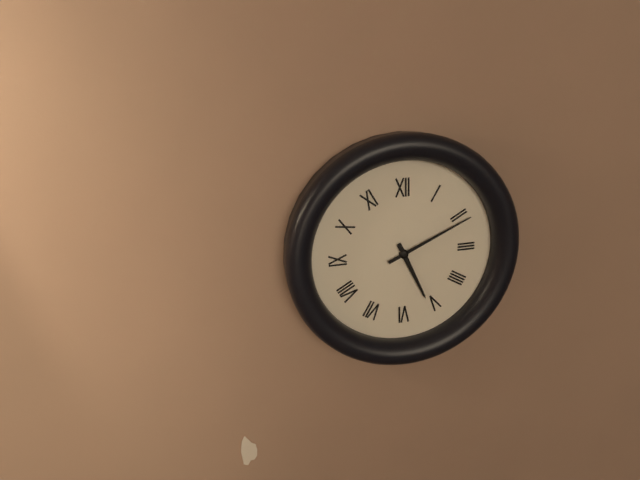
h=5 m=11
